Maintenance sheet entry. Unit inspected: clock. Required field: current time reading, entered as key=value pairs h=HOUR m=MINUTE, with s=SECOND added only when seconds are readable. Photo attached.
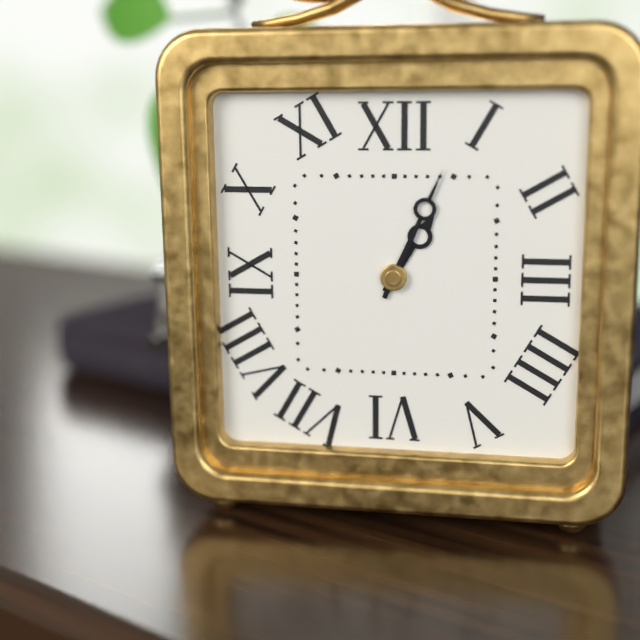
h=1 m=4
